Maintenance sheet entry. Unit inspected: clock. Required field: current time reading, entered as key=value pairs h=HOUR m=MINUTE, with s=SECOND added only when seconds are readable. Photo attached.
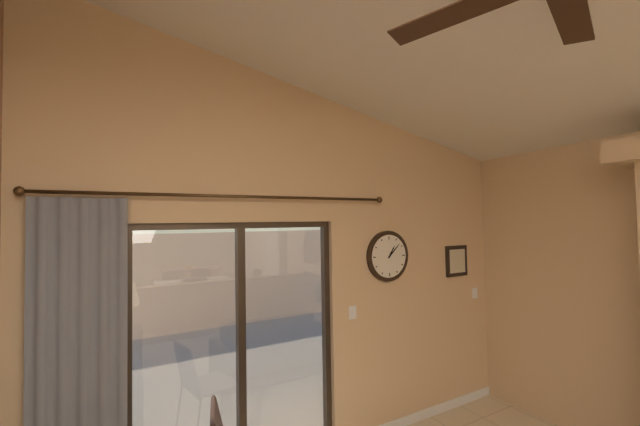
h=1 m=8
